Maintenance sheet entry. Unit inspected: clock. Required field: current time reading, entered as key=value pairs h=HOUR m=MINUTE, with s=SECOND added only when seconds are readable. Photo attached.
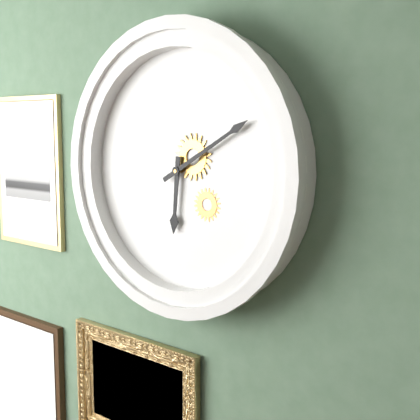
h=6 m=10
